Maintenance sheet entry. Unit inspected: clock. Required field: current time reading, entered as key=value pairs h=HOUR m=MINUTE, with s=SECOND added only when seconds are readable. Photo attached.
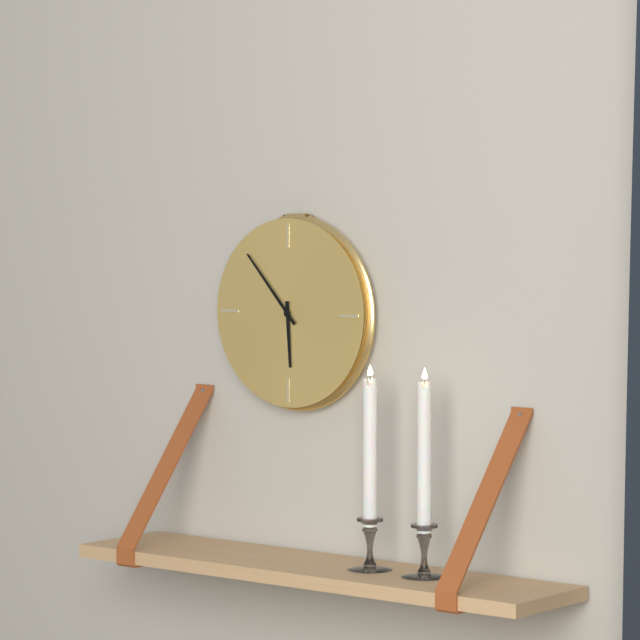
h=5 m=53
